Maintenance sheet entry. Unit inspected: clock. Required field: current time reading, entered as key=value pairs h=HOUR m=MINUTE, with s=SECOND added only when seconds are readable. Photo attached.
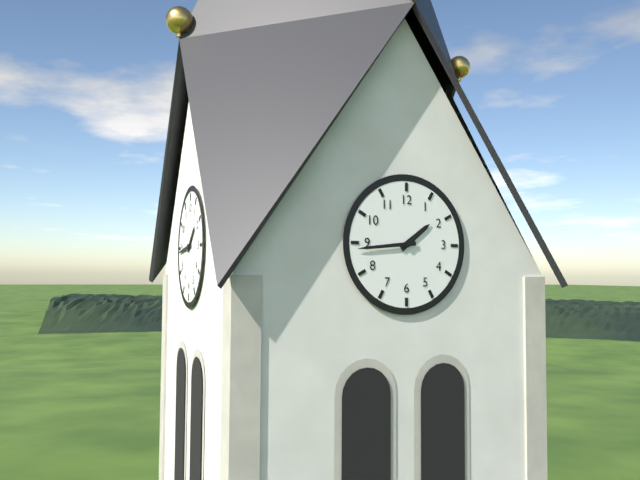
h=1 m=44
